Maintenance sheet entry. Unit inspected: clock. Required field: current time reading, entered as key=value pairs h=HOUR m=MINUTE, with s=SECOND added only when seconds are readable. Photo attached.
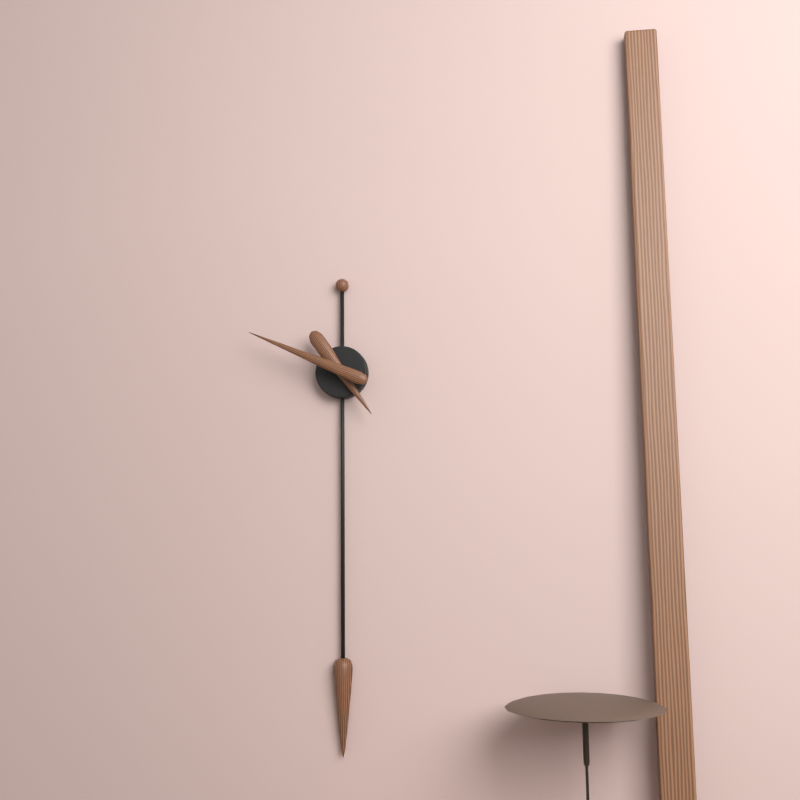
h=4 m=49
